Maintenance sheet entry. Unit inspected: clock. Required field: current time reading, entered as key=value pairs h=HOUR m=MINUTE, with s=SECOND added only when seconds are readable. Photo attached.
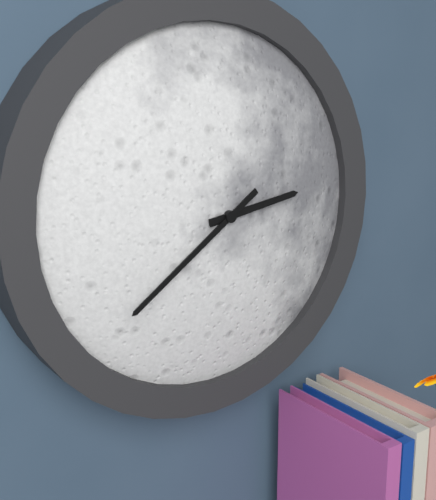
h=2 m=39
